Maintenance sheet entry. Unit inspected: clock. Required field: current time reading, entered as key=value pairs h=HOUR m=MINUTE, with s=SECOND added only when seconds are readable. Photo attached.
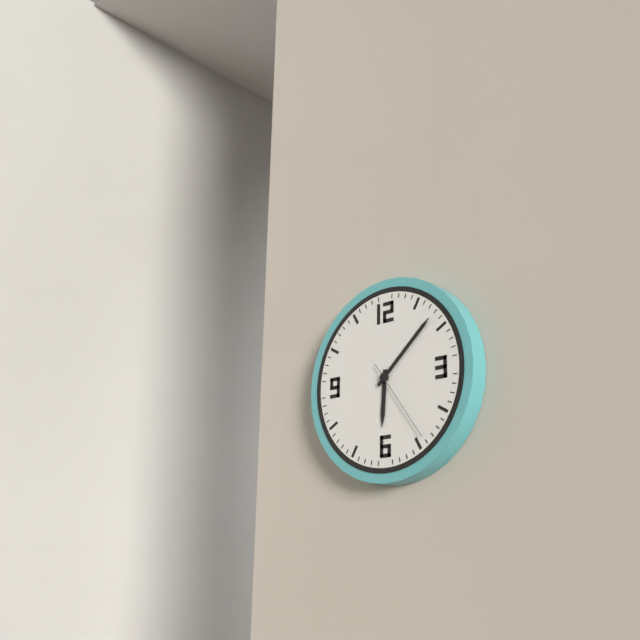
h=6 m=8 s=24
